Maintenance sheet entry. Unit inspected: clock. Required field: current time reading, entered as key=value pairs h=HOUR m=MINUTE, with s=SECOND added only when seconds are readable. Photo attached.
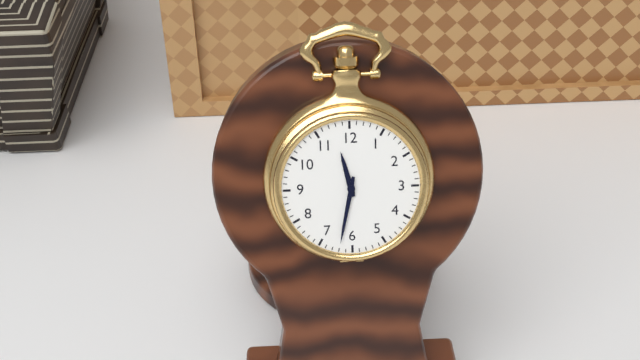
h=11 m=32
